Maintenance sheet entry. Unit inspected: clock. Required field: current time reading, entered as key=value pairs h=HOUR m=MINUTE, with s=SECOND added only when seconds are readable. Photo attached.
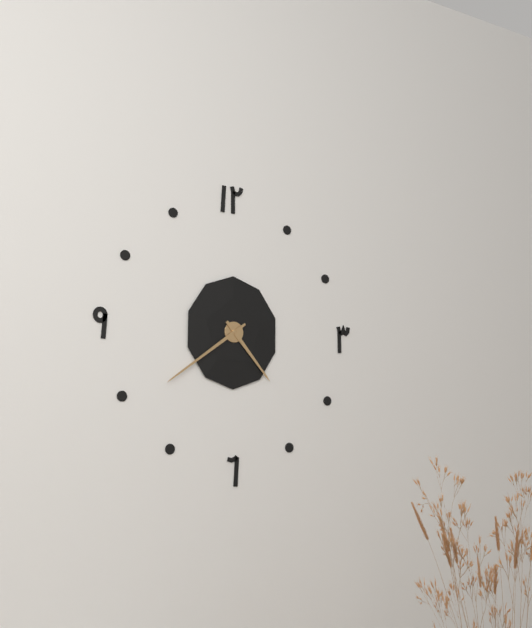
h=4 m=39
